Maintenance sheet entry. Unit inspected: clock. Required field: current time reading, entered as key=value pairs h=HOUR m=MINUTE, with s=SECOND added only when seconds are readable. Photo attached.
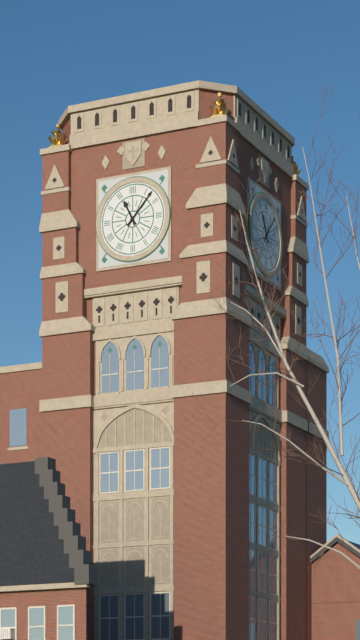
h=11 m=7
